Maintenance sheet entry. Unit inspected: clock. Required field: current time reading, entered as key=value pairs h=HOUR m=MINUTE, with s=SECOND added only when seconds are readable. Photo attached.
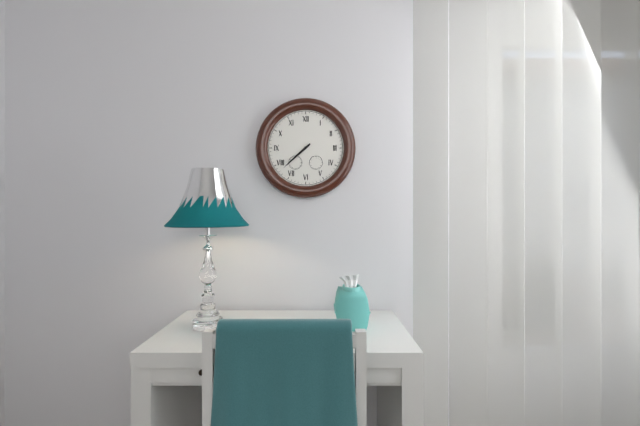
h=7 m=38
